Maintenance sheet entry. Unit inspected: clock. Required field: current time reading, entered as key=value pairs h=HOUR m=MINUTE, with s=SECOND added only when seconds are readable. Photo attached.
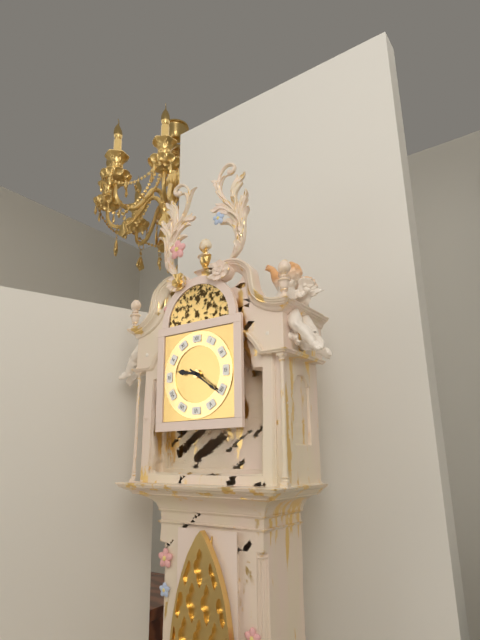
h=9 m=21
